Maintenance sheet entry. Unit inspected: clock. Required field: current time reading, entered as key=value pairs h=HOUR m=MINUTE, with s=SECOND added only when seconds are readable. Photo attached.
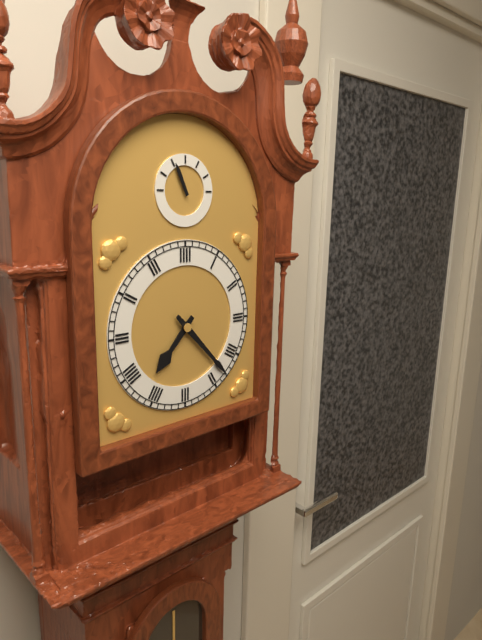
h=7 m=23
